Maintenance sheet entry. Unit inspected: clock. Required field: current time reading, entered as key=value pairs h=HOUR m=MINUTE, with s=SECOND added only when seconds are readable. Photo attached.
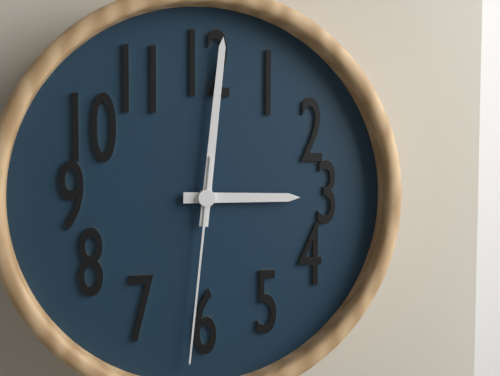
h=3 m=1 s=31
